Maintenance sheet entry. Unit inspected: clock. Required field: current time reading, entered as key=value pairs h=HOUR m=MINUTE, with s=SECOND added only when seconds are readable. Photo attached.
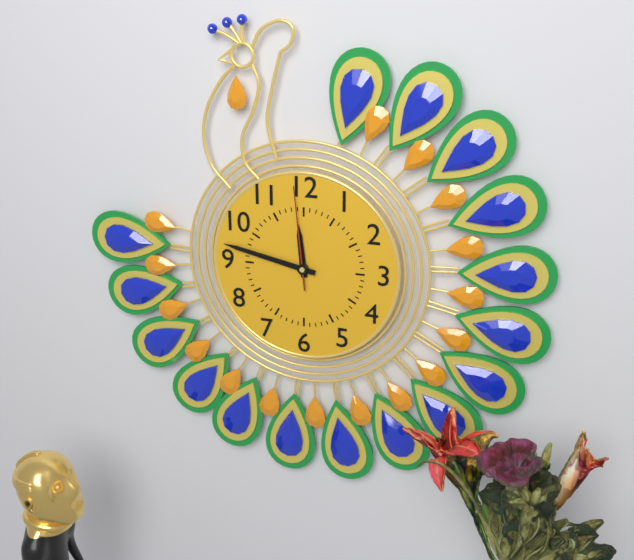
h=11 m=47 s=59
